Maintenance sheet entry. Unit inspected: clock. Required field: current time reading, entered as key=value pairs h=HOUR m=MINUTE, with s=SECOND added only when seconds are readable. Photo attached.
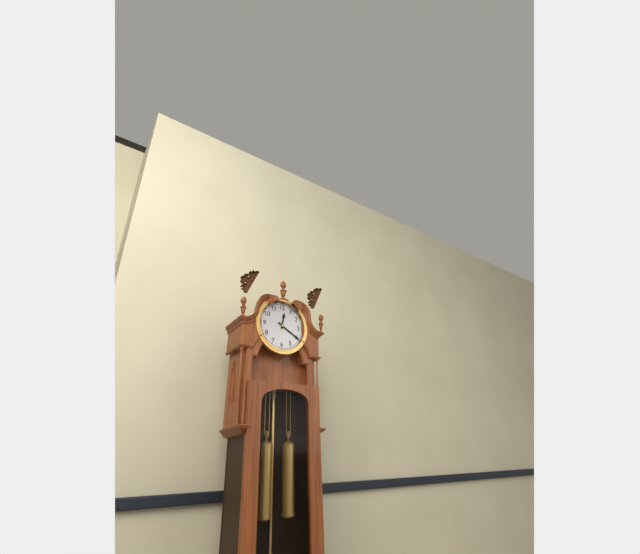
h=12 m=20
